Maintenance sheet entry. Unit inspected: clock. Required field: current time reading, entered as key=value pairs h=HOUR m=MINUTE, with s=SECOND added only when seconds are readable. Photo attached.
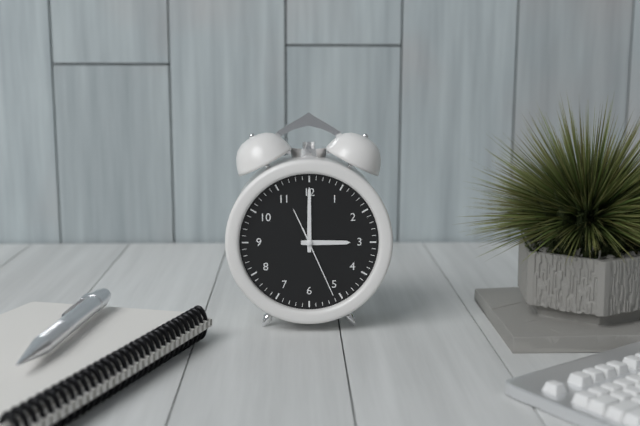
h=3 m=0 s=26
